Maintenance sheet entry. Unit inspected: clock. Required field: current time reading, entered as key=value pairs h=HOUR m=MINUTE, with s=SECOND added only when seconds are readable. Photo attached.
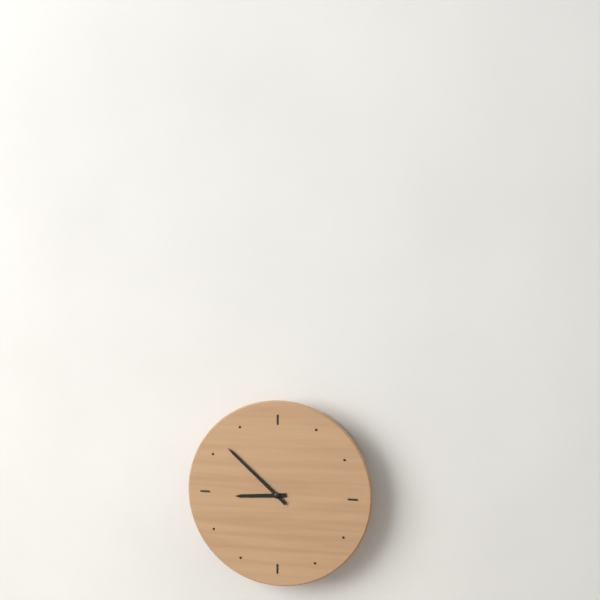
h=8 m=52
